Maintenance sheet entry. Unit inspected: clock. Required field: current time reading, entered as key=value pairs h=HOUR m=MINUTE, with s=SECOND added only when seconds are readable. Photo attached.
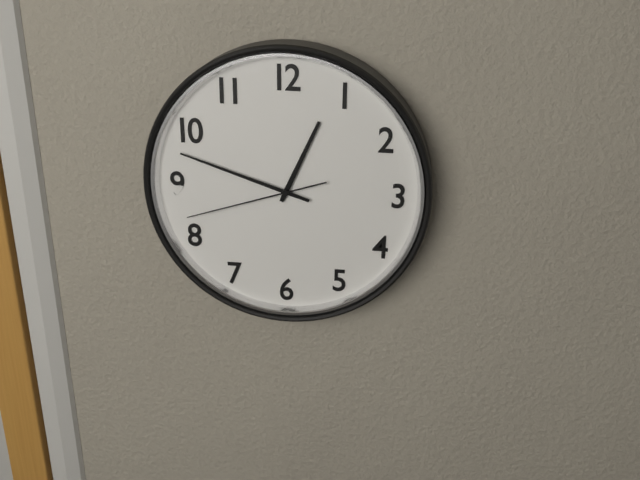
h=12 m=48 s=42
